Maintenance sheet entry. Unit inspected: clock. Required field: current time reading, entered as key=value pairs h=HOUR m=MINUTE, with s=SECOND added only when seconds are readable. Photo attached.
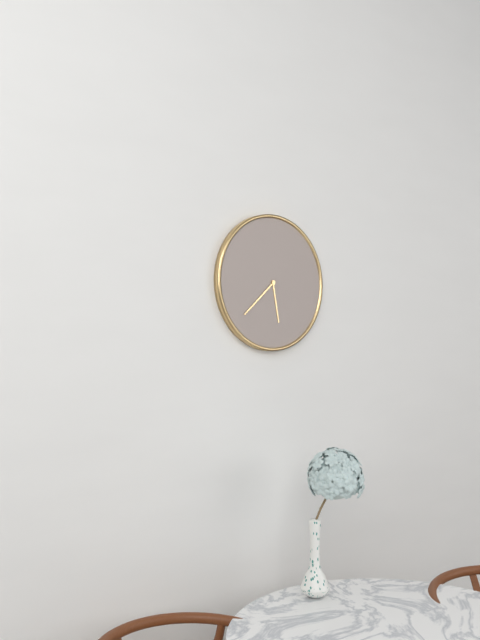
h=5 m=38
